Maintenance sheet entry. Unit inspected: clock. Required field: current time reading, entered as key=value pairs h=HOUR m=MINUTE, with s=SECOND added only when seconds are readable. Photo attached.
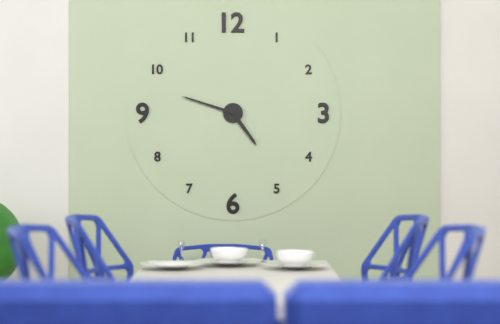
h=4 m=48
